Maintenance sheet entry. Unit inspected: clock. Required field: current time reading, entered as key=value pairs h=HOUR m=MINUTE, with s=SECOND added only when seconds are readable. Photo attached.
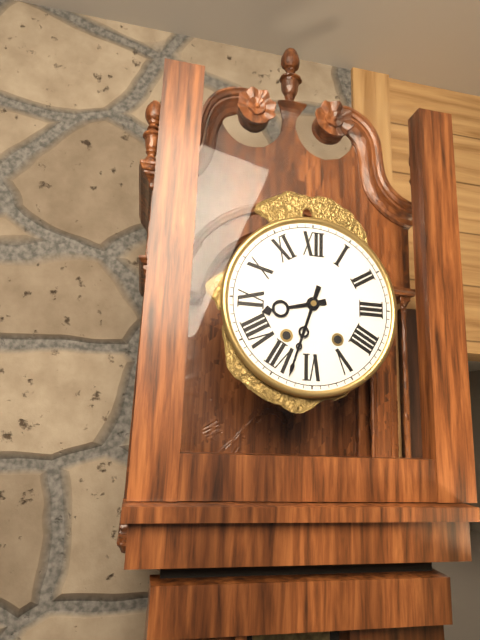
h=8 m=33
